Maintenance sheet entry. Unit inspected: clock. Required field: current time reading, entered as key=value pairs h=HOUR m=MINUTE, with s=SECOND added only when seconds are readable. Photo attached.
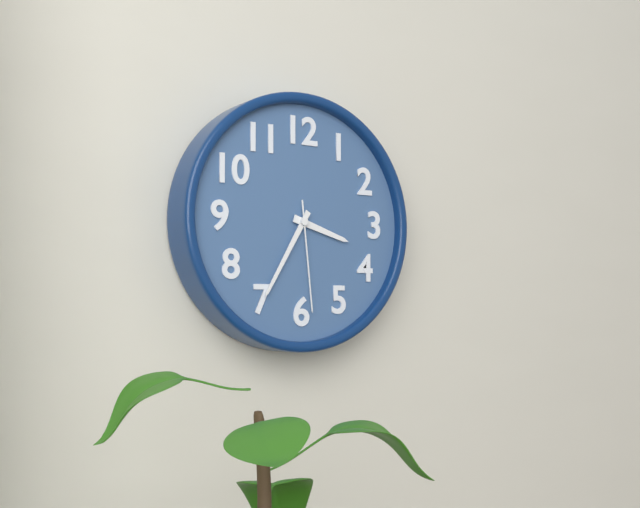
h=3 m=35 s=29
